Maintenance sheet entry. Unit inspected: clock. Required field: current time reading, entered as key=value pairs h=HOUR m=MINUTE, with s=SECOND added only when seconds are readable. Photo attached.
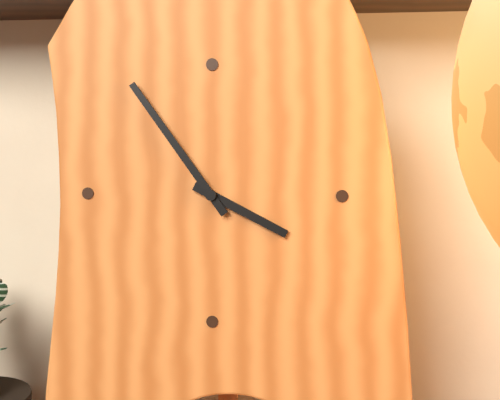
h=3 m=54
